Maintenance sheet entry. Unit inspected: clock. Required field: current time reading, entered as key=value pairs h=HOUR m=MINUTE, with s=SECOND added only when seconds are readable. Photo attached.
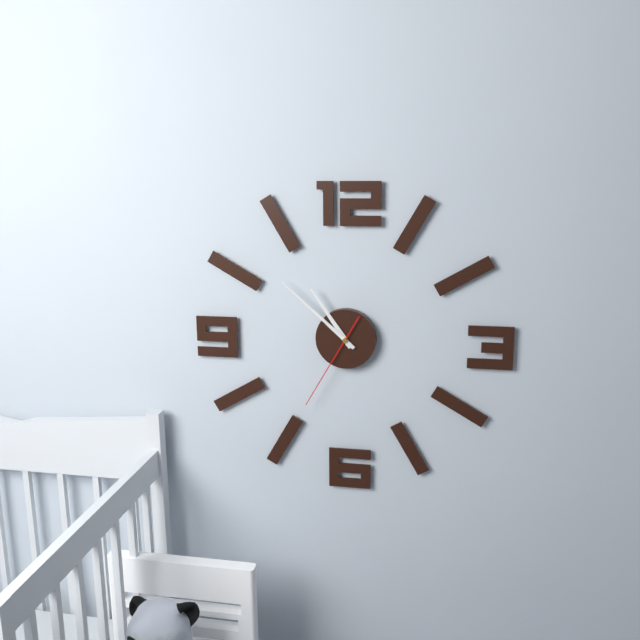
h=10 m=52 s=35
